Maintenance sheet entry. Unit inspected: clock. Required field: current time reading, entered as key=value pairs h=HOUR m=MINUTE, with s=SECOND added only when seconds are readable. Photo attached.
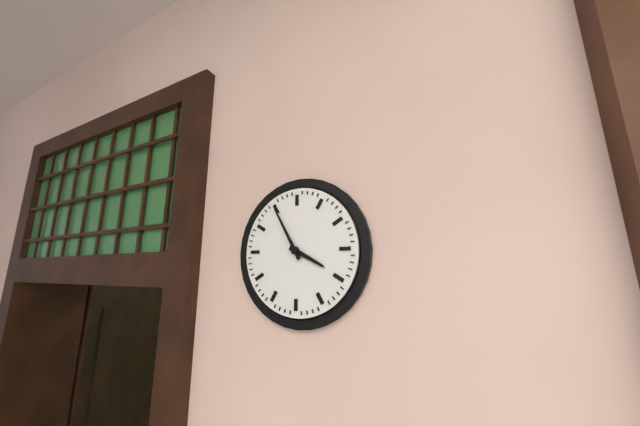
h=3 m=55
